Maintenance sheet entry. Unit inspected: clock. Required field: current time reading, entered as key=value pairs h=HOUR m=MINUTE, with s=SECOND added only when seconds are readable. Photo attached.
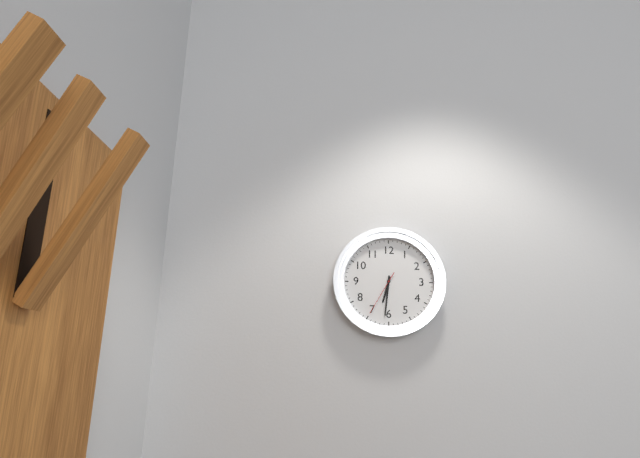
h=6 m=31
